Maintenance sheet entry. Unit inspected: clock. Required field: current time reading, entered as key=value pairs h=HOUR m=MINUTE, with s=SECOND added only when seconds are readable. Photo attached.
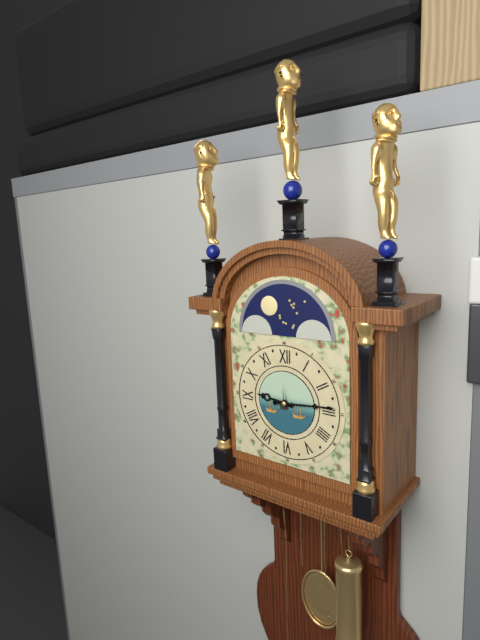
h=9 m=14
